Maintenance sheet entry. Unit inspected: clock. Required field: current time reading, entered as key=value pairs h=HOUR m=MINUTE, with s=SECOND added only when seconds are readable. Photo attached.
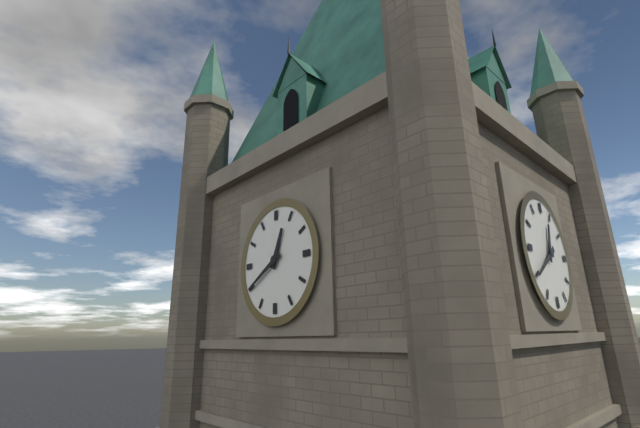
h=12 m=40
